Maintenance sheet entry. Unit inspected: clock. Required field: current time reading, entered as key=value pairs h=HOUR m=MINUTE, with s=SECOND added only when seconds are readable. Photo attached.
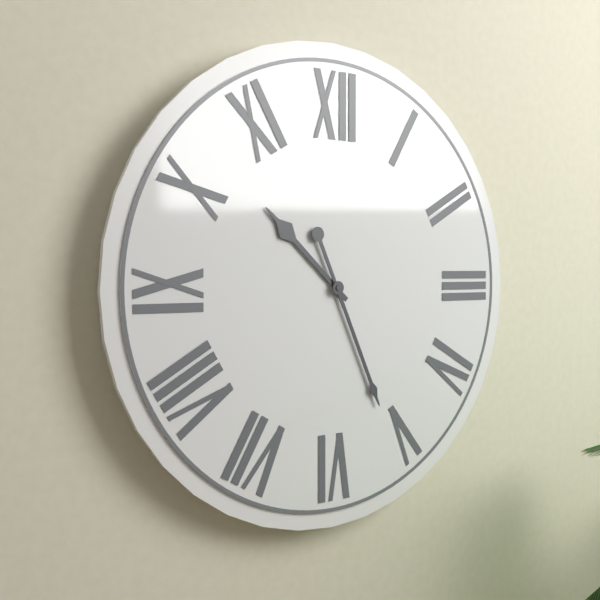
h=10 m=26
